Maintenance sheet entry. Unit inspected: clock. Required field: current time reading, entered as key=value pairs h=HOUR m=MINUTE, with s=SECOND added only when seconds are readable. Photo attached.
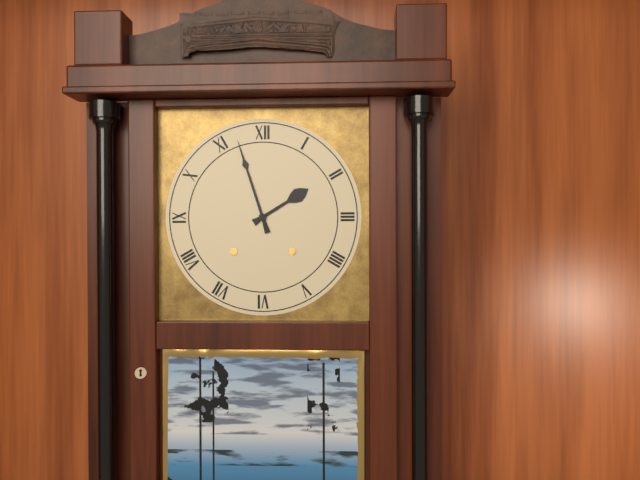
h=1 m=57
